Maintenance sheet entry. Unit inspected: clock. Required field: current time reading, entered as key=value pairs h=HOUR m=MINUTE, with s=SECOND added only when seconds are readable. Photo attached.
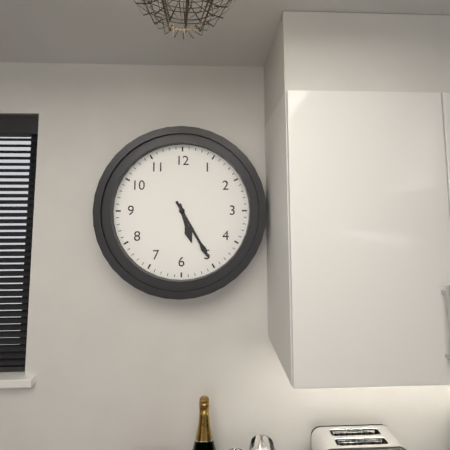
h=5 m=25
